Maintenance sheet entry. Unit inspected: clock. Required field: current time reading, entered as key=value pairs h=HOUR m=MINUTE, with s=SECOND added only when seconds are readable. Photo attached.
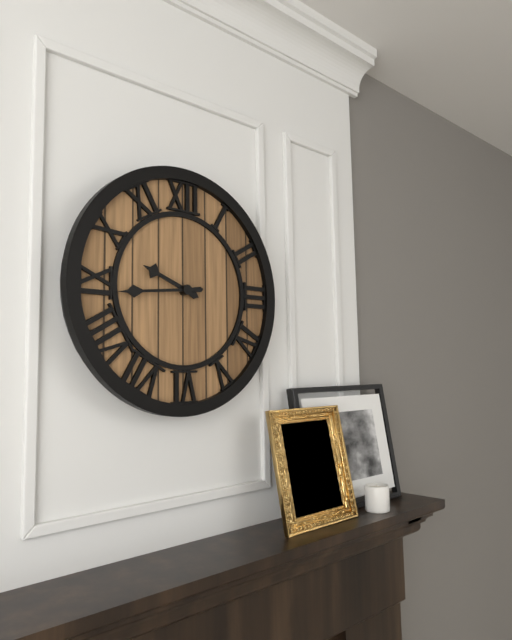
h=9 m=44
